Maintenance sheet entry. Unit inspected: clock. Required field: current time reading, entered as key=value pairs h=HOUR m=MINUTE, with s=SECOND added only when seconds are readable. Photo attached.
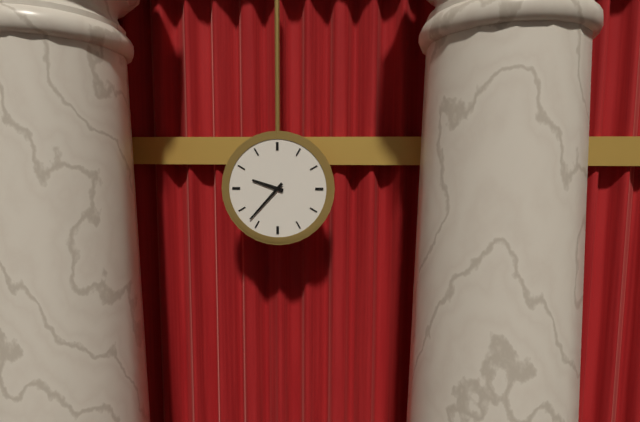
h=9 m=37
